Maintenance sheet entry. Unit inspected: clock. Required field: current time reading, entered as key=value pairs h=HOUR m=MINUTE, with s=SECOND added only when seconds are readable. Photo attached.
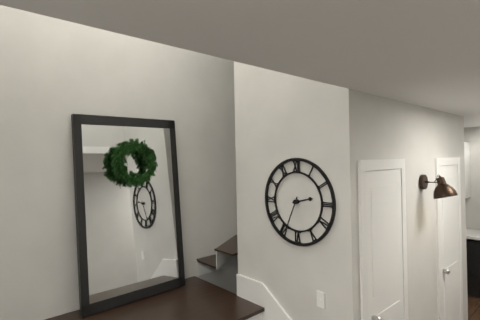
h=2 m=34
